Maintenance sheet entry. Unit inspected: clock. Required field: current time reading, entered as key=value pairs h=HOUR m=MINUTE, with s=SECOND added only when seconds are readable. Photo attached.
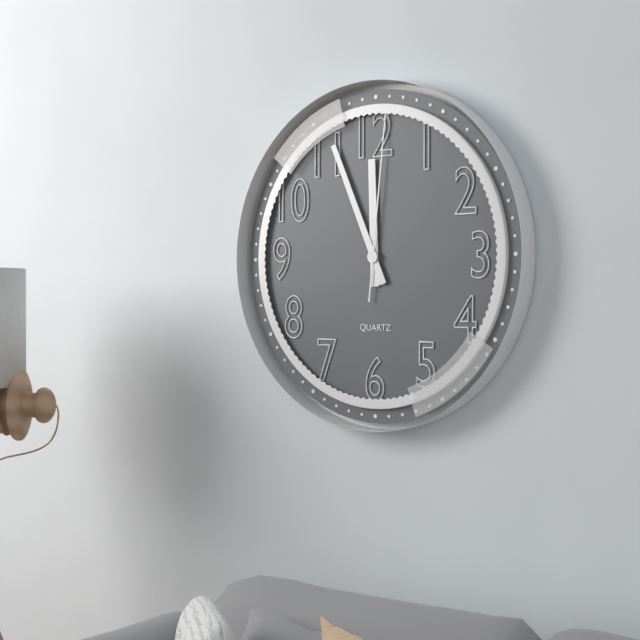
h=11 m=56 s=1
